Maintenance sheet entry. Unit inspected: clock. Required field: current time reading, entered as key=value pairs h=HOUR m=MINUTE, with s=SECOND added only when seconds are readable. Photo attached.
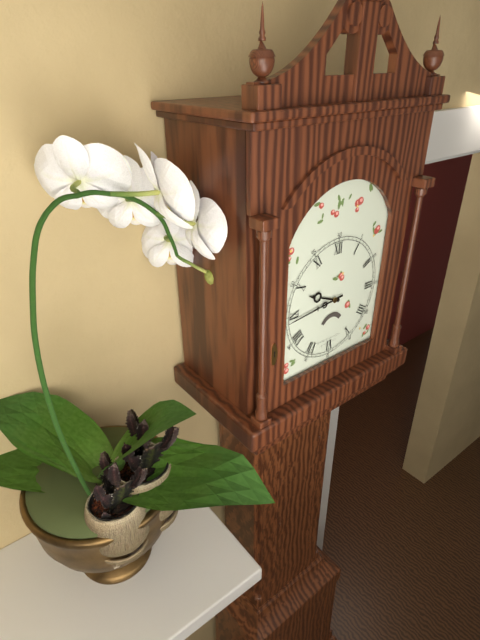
h=9 m=44
